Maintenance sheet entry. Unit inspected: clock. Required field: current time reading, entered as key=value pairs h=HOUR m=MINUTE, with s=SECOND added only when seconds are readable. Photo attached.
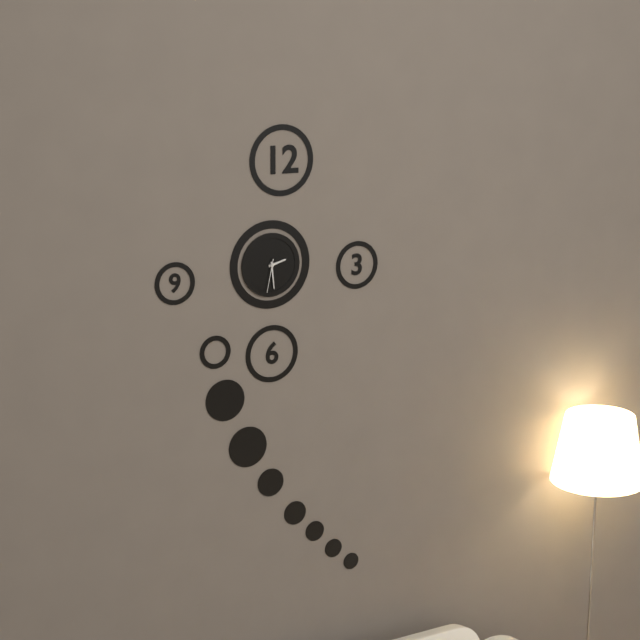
h=2 m=29
